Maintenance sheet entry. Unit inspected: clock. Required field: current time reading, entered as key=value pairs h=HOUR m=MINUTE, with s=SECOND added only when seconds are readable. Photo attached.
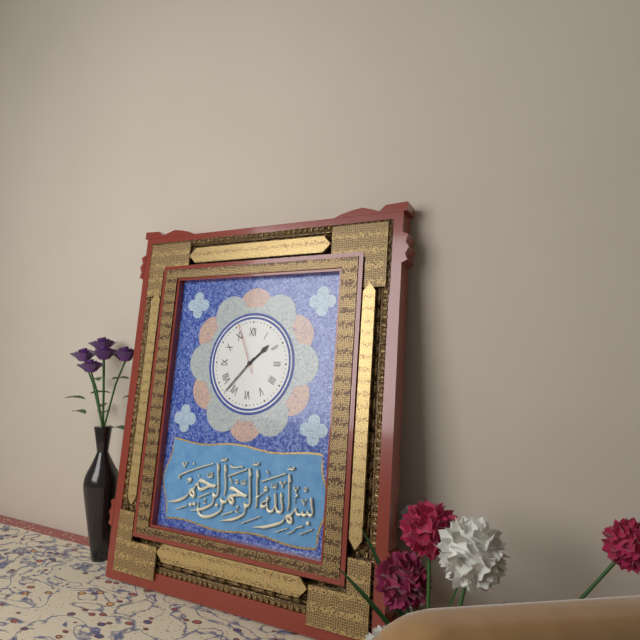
h=1 m=37 s=56
